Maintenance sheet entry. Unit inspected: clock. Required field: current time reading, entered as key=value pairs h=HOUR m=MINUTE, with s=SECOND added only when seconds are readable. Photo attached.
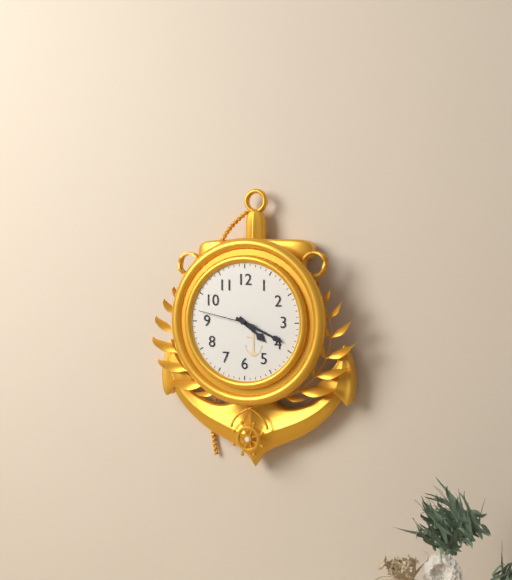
h=4 m=19 s=47
